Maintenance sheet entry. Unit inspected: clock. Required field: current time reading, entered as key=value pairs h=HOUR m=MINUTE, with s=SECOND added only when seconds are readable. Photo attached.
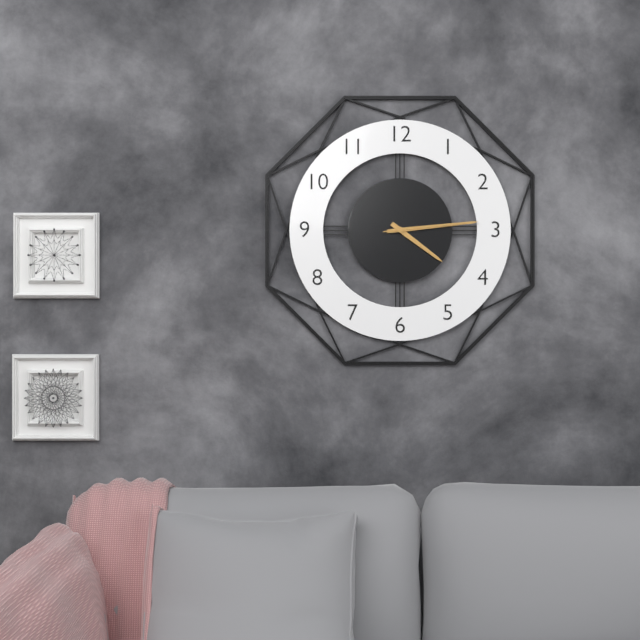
h=4 m=14 s=14
